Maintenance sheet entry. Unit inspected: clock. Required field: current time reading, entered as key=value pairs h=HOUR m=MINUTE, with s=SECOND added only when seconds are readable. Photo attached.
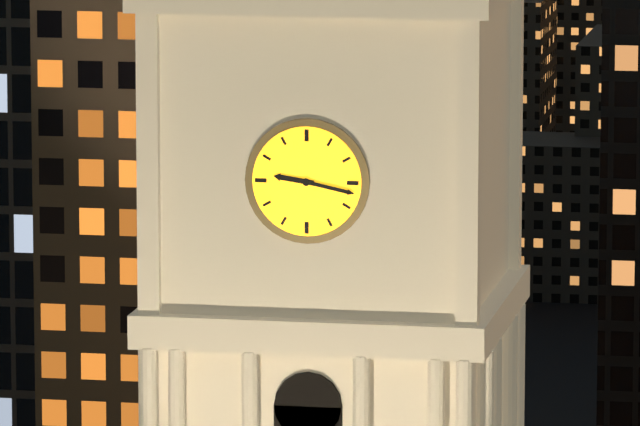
h=9 m=17
